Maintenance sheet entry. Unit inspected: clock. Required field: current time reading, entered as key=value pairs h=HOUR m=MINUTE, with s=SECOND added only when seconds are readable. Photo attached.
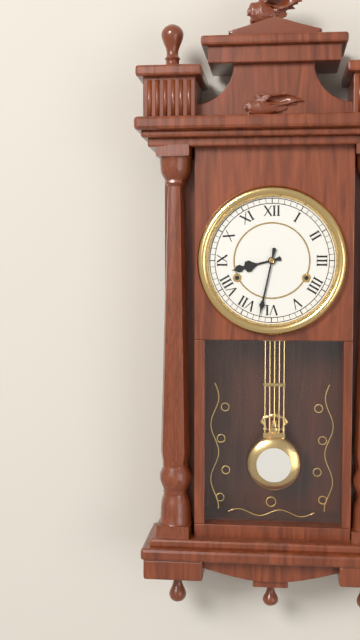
h=8 m=32
